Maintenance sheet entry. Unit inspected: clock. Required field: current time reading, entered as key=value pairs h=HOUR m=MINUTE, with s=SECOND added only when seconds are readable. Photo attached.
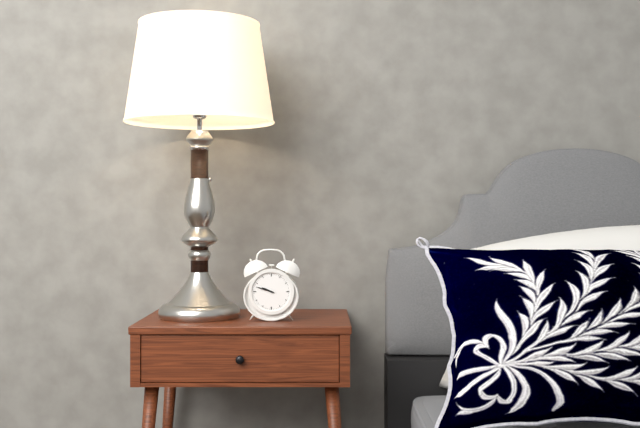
h=9 m=48
